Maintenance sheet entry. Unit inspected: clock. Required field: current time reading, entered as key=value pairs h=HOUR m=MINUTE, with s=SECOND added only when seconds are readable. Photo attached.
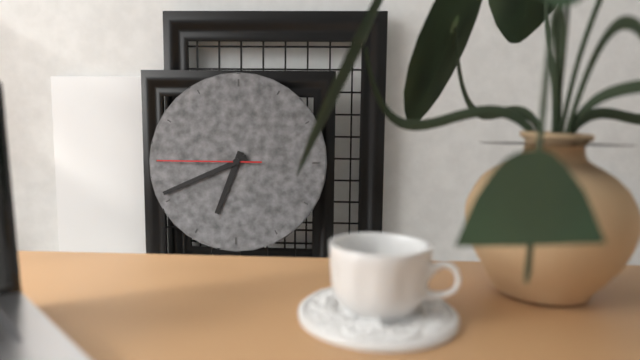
h=6 m=41 s=45
